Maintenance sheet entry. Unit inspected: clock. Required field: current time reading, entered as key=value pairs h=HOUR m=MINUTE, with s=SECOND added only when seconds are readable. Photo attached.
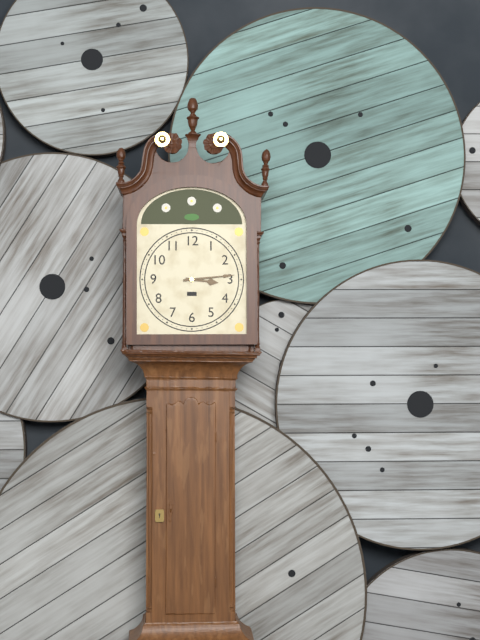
h=3 m=14
